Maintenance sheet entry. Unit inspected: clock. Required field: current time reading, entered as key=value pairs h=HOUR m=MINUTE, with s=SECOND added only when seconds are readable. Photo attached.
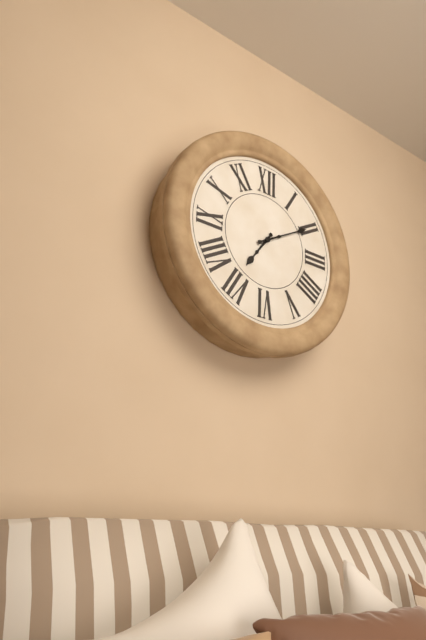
h=7 m=10
